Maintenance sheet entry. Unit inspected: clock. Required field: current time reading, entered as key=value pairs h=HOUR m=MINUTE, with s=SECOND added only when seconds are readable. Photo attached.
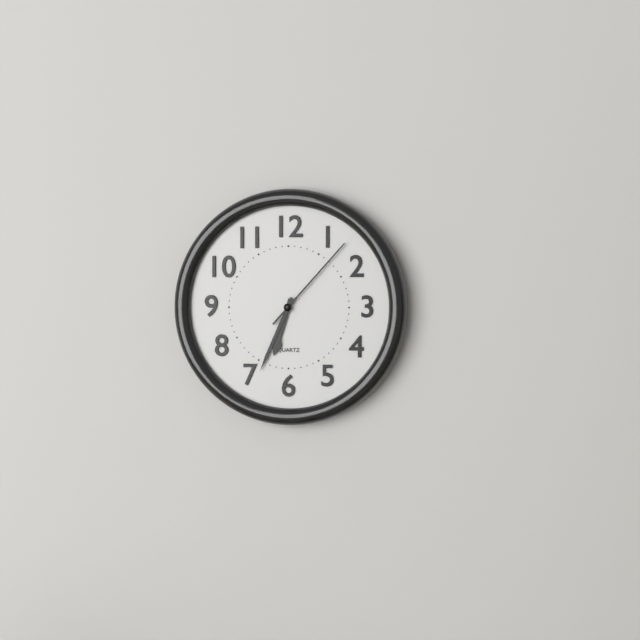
h=6 m=34 s=7
